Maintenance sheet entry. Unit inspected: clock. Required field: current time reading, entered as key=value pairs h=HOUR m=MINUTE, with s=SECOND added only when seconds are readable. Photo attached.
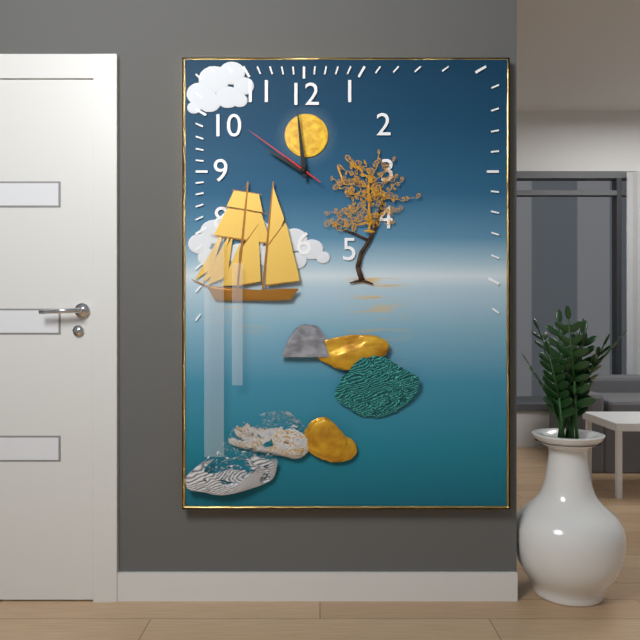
h=9 m=59 s=51
